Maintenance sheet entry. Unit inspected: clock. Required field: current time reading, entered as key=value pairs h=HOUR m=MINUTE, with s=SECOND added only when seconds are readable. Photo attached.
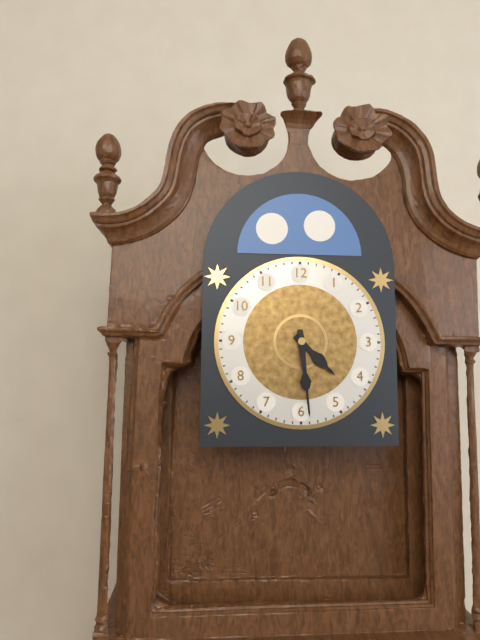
h=4 m=29
